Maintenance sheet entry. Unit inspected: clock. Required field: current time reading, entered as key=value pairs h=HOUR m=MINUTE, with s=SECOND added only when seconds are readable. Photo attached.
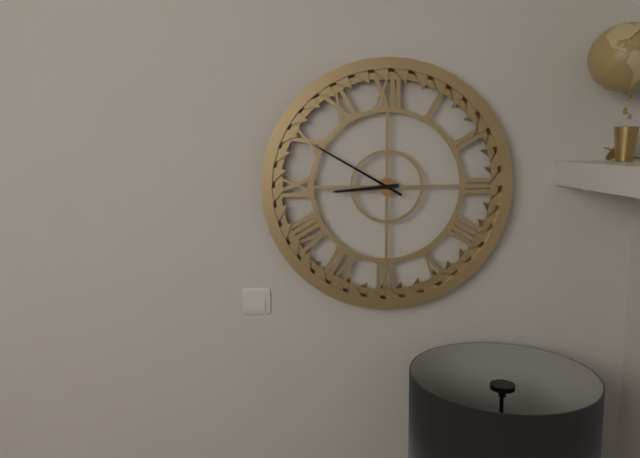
h=8 m=50
